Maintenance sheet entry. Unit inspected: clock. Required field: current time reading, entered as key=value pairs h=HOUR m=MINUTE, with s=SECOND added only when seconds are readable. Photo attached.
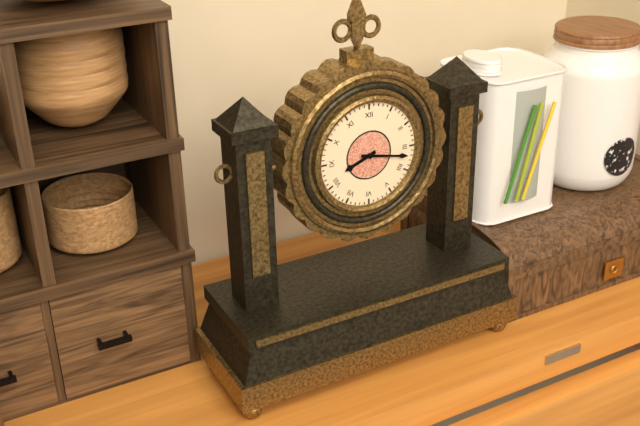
h=8 m=17
